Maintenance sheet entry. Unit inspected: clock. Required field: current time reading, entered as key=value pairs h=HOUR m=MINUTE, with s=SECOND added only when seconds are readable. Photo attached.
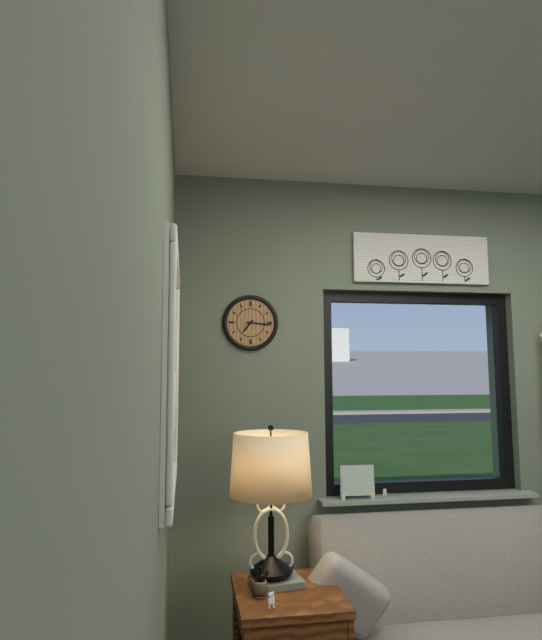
h=7 m=16
